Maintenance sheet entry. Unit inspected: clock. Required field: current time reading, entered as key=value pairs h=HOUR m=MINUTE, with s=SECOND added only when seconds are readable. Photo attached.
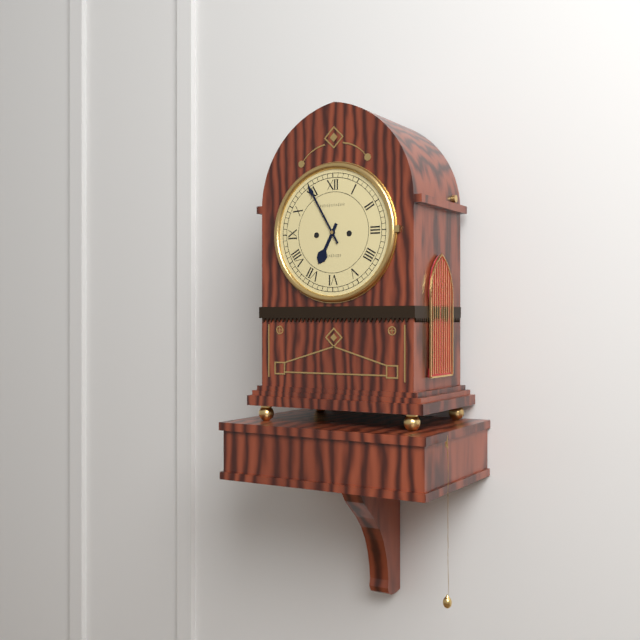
h=6 m=55
